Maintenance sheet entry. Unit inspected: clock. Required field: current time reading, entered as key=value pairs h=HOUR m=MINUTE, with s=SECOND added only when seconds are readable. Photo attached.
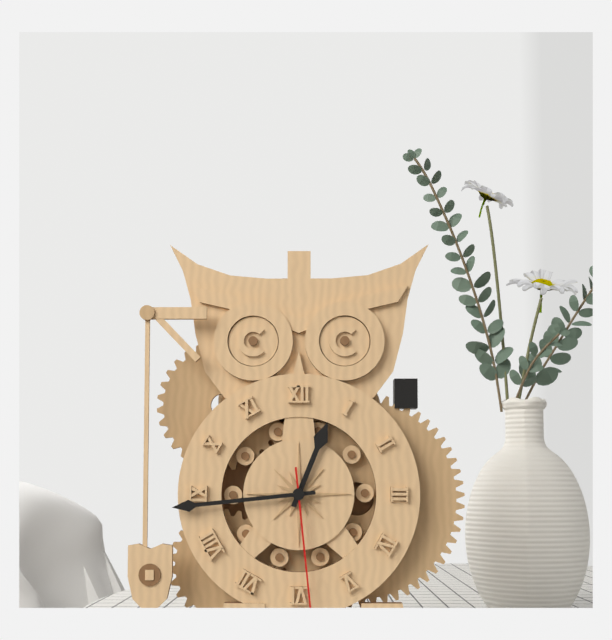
h=12 m=44 s=29
